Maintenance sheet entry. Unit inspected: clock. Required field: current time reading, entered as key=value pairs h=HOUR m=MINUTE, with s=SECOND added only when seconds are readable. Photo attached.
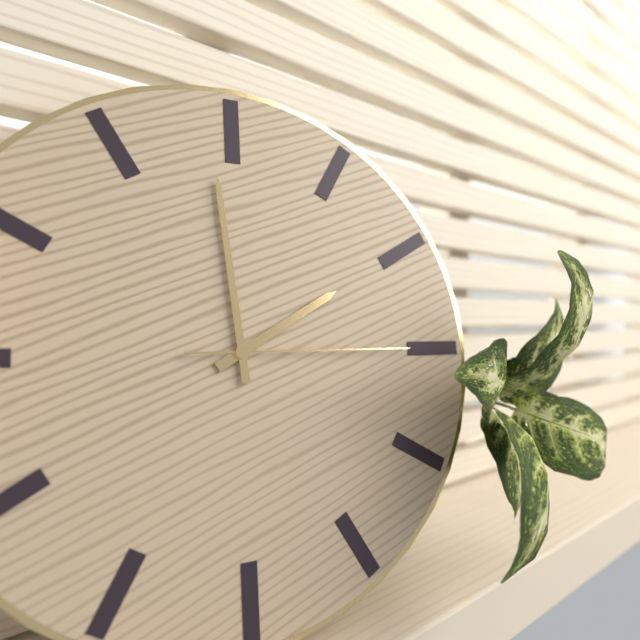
h=1 m=59 s=15
